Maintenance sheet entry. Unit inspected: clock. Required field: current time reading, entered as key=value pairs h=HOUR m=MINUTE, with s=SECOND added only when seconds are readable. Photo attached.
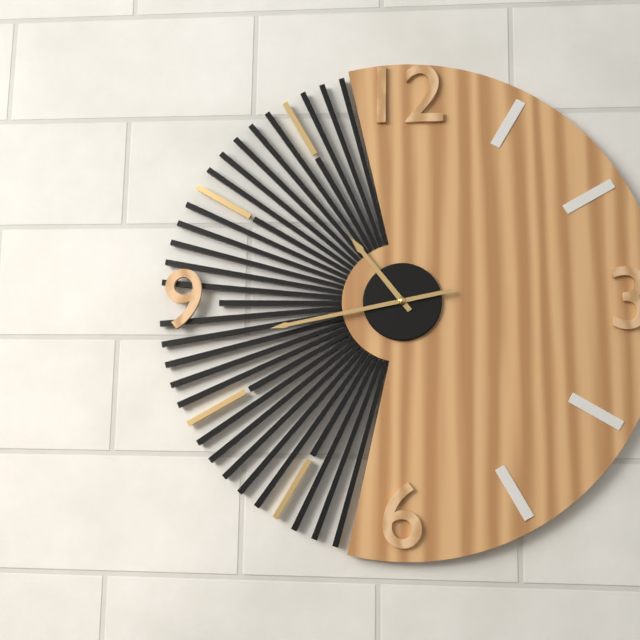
h=10 m=43
